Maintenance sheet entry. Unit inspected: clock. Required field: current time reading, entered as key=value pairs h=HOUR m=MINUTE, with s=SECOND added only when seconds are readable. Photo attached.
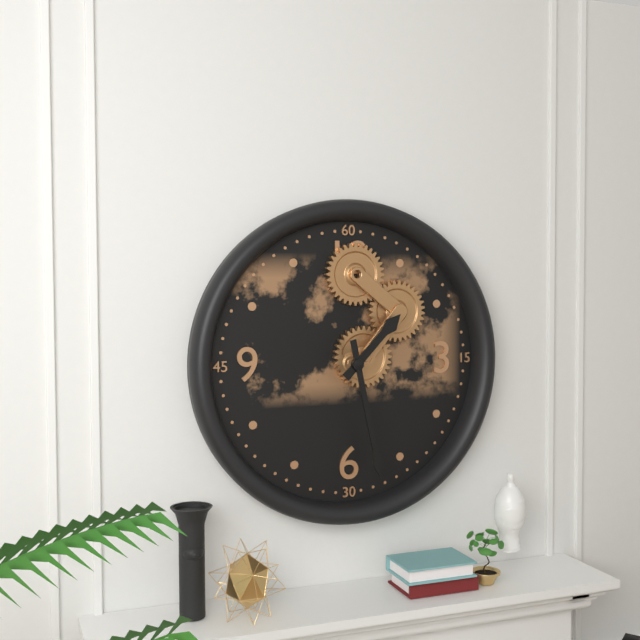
h=1 m=28
